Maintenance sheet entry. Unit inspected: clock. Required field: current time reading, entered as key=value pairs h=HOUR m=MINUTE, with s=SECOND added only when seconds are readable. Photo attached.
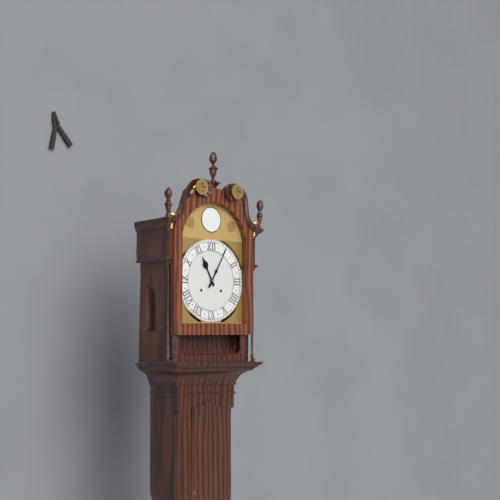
h=11 m=5
